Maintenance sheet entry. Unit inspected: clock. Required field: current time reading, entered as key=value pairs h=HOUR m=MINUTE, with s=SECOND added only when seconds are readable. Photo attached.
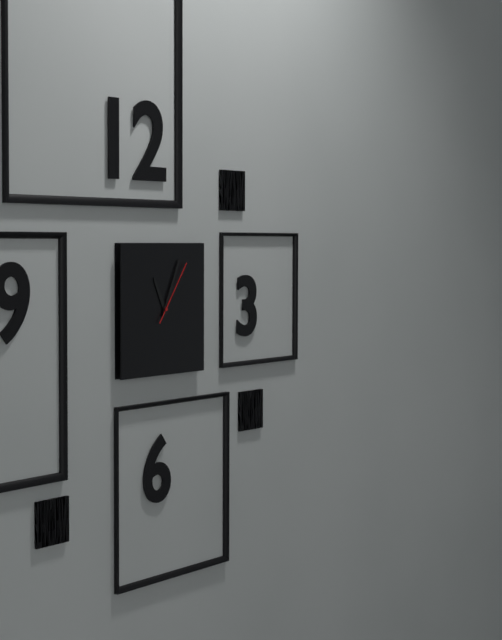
h=11 m=4 s=6
